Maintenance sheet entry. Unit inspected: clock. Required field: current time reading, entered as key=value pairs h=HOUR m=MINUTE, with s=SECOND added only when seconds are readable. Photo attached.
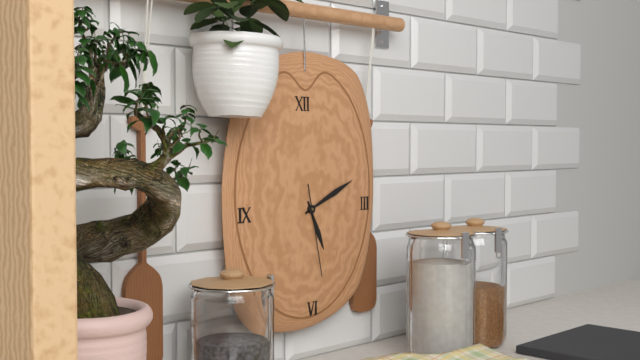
h=5 m=11 s=28
